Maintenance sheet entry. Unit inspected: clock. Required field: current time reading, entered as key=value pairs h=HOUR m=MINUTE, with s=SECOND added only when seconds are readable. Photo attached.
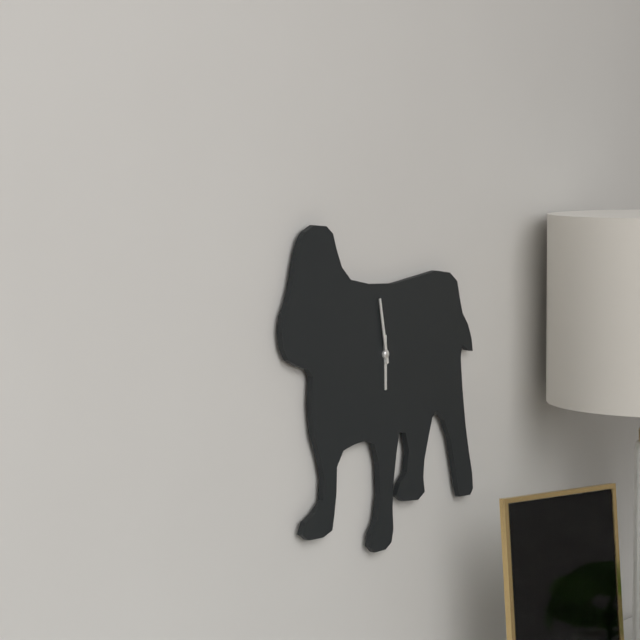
h=5 m=58
